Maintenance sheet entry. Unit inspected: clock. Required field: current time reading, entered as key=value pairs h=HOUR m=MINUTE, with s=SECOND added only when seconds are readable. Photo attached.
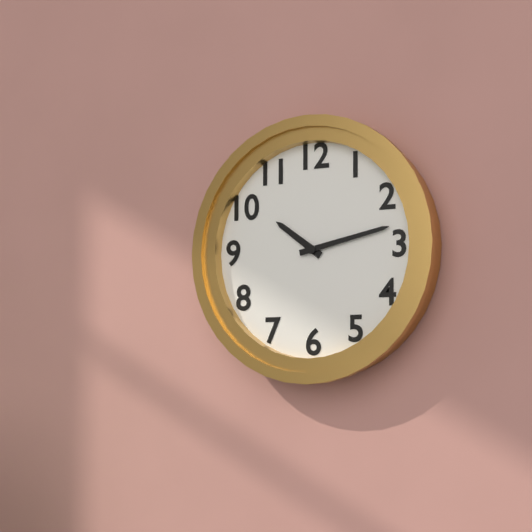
h=10 m=13
